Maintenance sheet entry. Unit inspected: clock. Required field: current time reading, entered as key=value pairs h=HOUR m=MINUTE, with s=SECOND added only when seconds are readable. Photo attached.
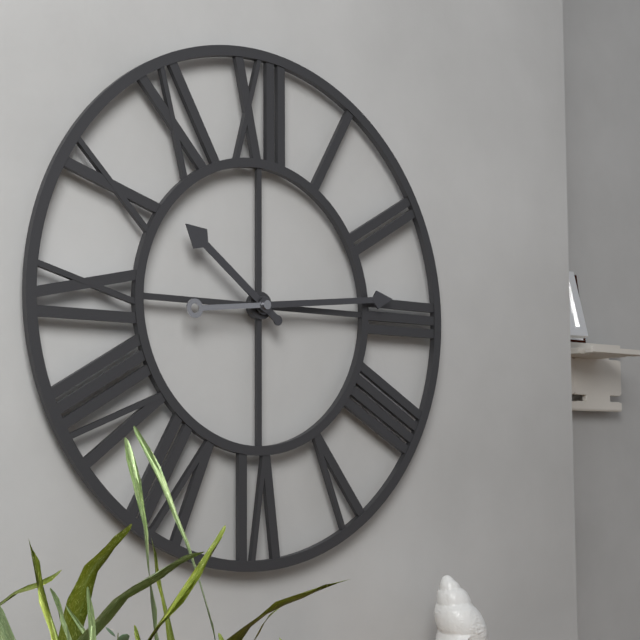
h=10 m=14
